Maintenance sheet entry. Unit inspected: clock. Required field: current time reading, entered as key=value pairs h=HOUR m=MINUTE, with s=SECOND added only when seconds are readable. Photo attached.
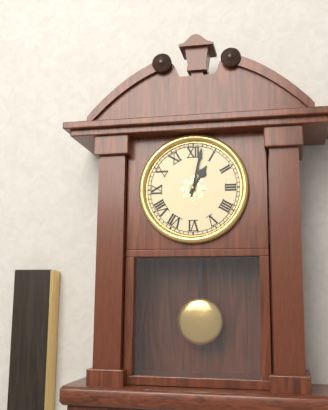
h=1 m=2
